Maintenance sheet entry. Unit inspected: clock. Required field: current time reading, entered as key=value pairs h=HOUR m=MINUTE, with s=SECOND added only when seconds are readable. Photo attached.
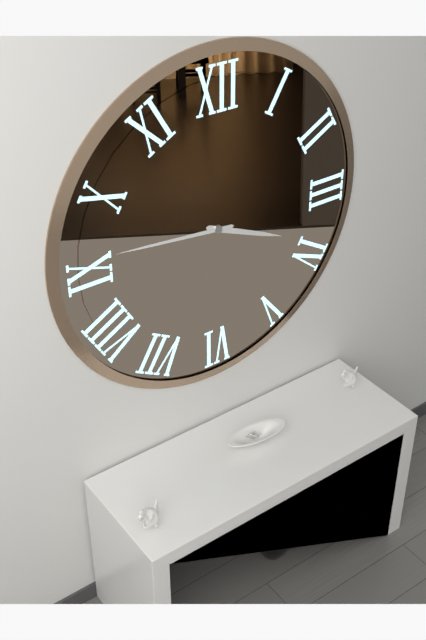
h=3 m=46
